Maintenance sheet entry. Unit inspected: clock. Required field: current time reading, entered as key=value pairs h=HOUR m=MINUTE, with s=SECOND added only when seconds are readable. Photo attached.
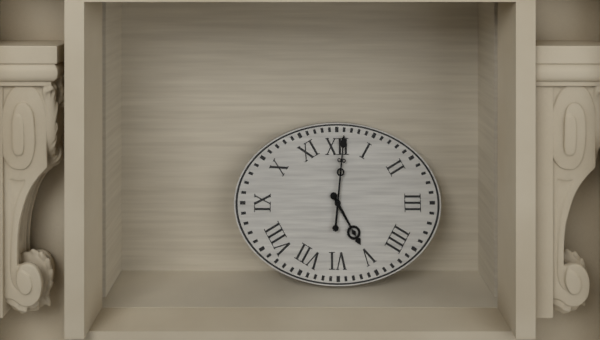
h=5 m=1
